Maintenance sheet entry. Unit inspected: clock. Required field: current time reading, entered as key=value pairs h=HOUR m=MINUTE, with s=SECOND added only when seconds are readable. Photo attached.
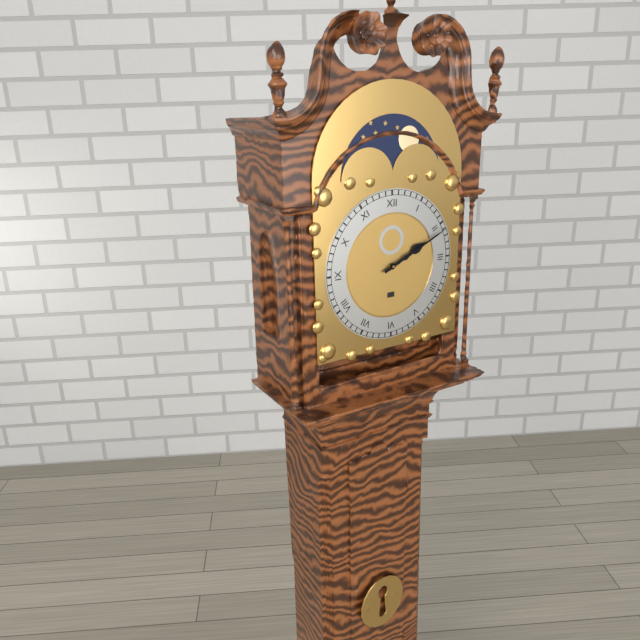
h=2 m=11
